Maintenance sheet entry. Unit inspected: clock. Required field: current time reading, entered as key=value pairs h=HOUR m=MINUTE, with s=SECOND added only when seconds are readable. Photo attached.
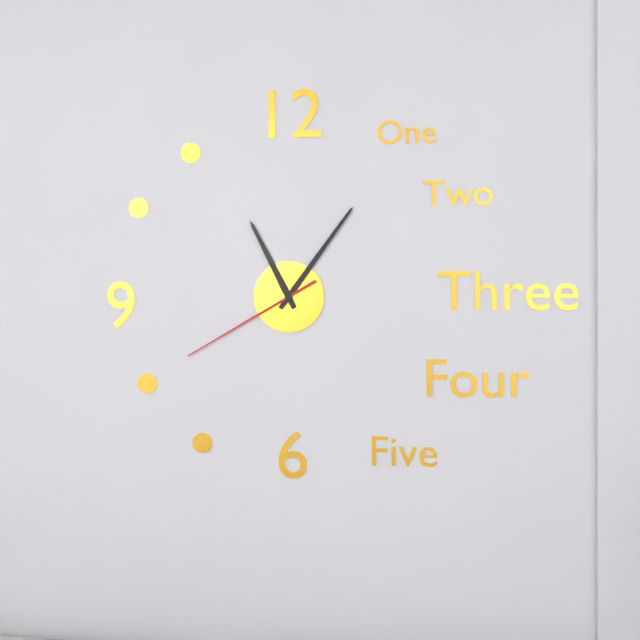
h=11 m=6 s=40
